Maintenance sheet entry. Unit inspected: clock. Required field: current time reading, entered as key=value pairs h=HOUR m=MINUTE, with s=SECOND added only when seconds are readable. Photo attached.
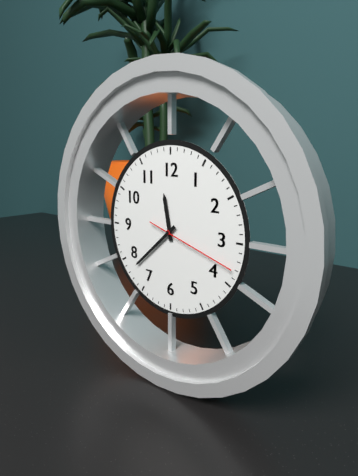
h=11 m=38 s=18
